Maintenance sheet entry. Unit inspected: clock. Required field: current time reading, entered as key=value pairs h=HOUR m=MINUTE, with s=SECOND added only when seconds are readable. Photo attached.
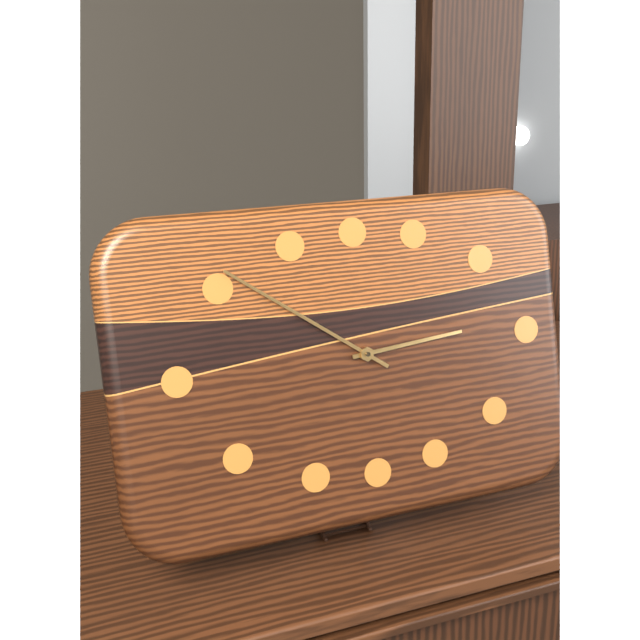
h=2 m=51
